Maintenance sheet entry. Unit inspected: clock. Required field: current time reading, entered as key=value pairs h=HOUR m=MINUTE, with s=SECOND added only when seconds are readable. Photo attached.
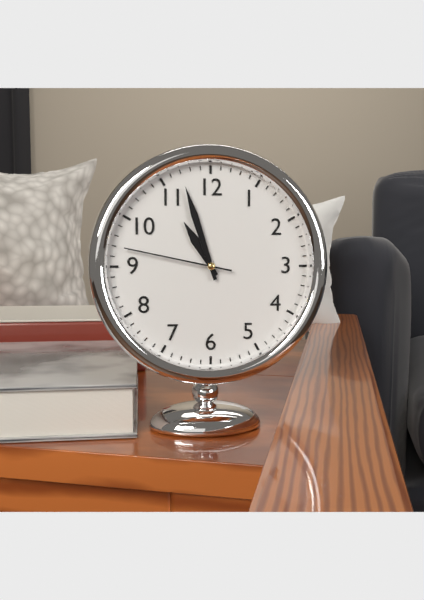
h=10 m=57 s=47
